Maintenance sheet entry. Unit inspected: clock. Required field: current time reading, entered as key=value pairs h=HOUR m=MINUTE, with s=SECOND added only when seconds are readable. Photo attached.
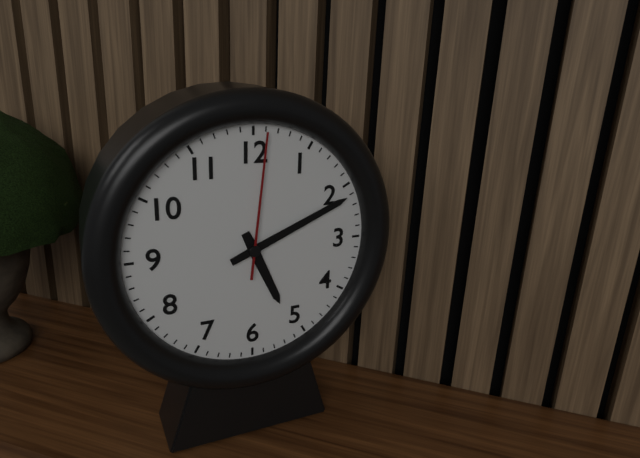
h=5 m=11 s=1
